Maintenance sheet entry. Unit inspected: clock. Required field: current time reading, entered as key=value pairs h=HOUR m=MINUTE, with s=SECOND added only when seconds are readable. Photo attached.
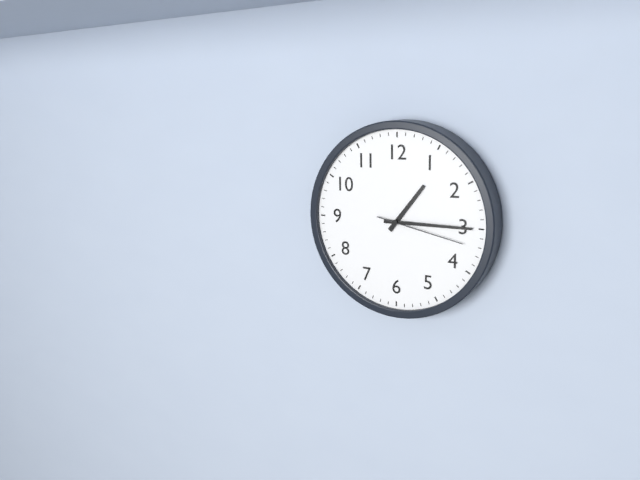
h=1 m=15 s=17
